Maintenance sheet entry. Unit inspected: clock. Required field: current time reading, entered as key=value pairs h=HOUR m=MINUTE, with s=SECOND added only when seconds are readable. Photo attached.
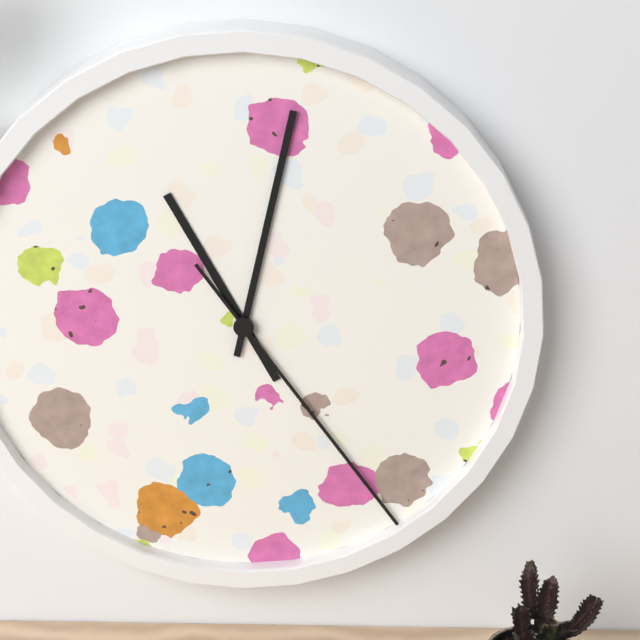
h=11 m=2 s=24
